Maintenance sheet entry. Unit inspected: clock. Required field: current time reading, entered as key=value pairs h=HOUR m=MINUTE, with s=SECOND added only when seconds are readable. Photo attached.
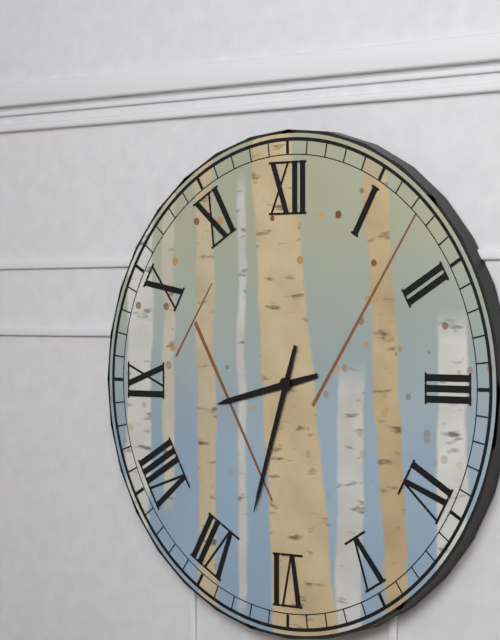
h=8 m=33
